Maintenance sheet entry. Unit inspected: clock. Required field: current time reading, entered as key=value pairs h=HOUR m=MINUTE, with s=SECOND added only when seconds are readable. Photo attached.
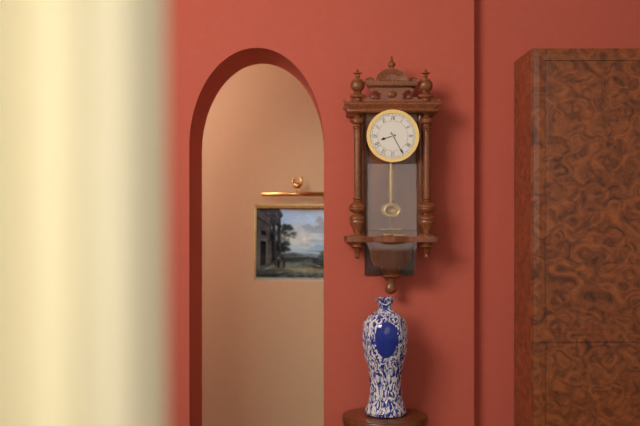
h=8 m=25
